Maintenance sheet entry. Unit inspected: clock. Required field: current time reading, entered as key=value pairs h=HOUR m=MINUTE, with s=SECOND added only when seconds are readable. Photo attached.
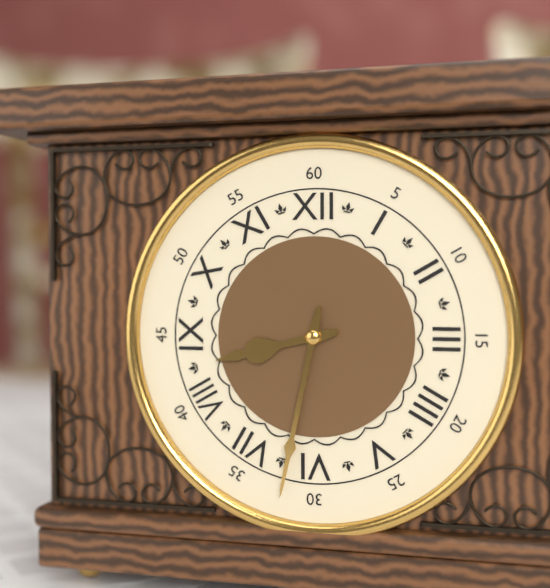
h=8 m=32
